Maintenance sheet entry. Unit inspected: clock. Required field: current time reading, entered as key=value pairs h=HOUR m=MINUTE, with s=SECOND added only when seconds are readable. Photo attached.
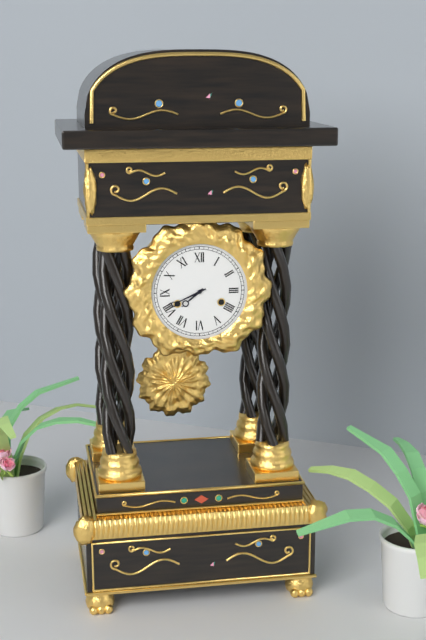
h=7 m=41
